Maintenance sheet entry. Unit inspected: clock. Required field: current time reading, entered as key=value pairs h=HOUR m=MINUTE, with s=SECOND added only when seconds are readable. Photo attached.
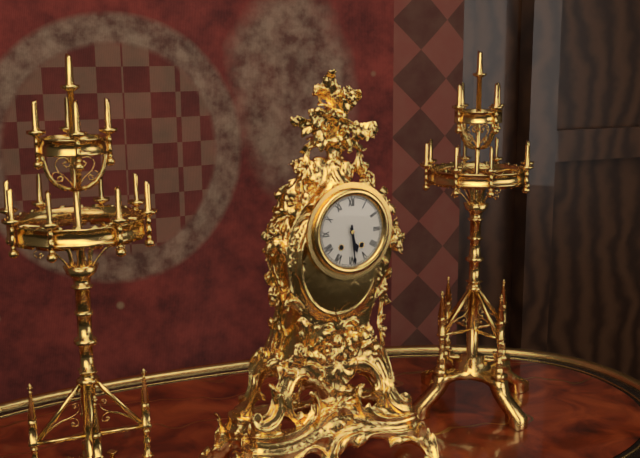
h=5 m=29
